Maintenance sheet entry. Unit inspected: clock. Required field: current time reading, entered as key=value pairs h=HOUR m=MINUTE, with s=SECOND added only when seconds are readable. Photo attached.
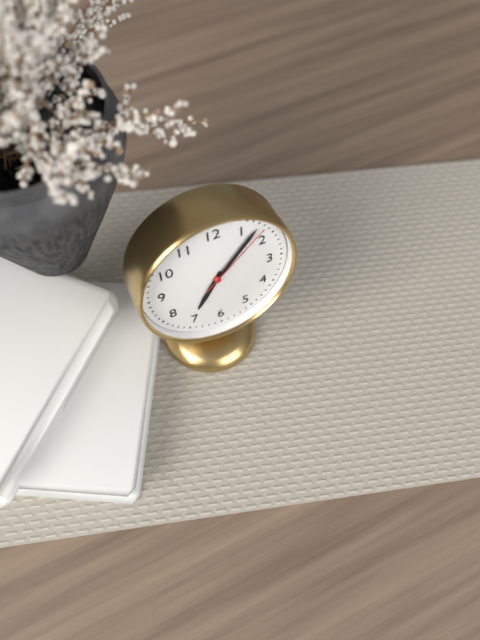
h=7 m=7 s=8
